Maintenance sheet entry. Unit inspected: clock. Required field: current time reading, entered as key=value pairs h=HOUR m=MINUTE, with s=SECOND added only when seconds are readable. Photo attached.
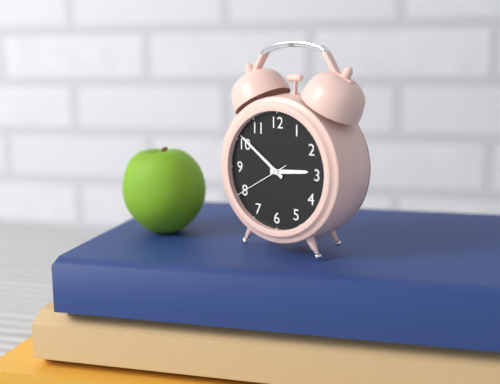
h=2 m=51 s=40
